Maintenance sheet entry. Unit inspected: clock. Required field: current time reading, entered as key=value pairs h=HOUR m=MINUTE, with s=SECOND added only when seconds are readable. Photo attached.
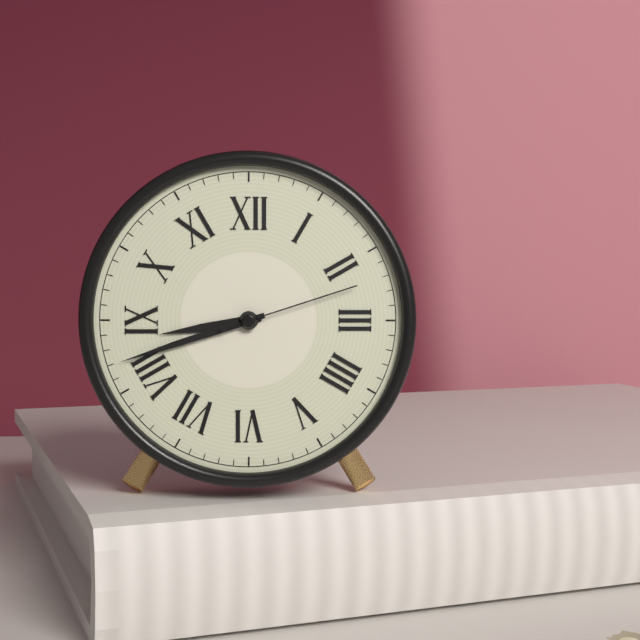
h=8 m=42 s=12
